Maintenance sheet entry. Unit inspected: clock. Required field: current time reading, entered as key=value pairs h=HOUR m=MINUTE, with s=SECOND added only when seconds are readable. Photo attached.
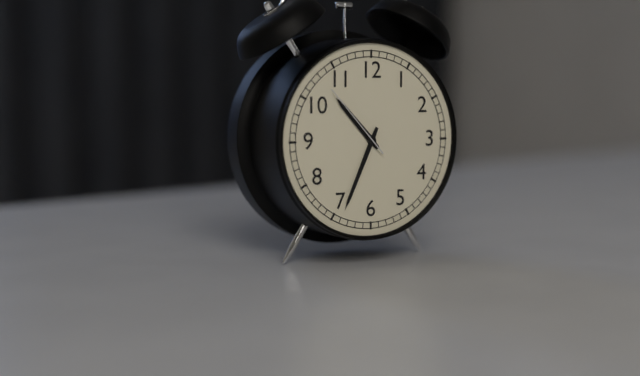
h=10 m=34 s=53
